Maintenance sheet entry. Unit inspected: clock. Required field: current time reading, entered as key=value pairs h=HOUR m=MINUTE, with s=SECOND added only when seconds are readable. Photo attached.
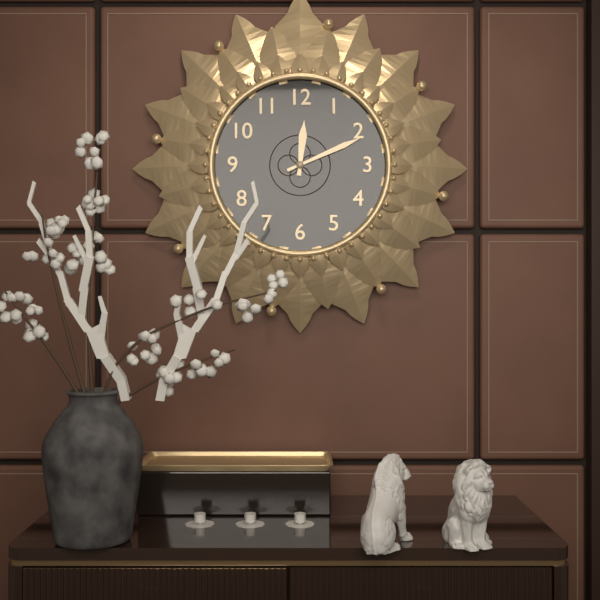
h=12 m=11
